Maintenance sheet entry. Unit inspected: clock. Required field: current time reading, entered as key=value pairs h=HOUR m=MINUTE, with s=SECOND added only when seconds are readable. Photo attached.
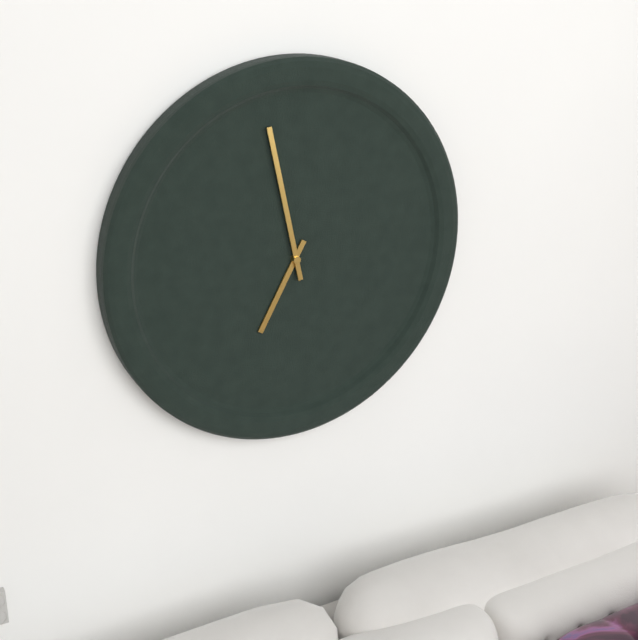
h=6 m=58
